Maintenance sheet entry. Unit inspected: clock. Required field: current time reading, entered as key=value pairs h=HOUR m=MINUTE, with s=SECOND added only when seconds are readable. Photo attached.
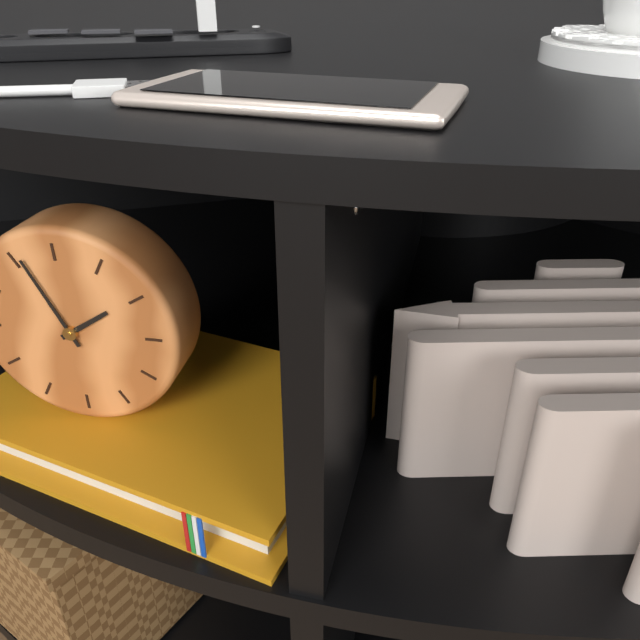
h=1 m=56
